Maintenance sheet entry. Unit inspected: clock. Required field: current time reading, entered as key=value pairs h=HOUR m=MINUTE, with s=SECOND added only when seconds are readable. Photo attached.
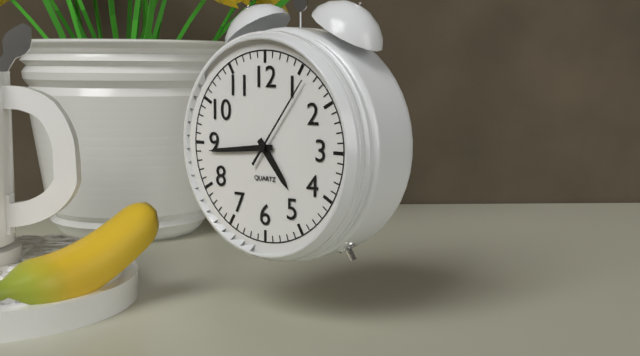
h=4 m=44 s=6
